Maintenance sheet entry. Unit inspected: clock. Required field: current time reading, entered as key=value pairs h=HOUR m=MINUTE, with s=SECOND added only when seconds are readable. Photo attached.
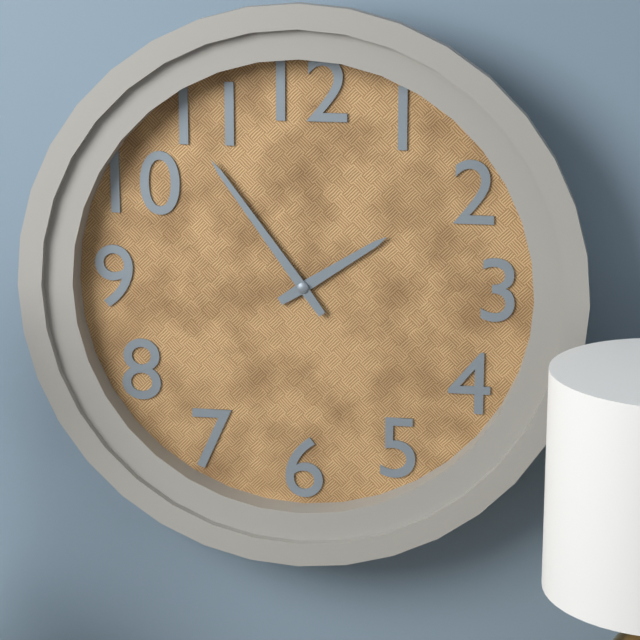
h=1 m=54
